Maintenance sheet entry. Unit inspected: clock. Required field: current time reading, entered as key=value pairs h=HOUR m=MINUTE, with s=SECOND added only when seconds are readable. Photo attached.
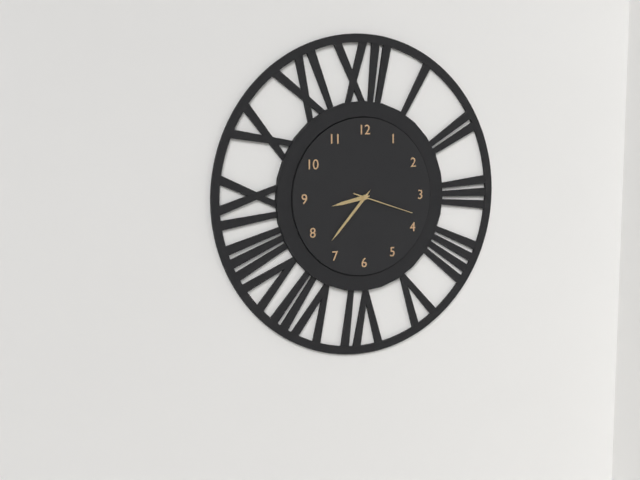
h=8 m=37 s=18
